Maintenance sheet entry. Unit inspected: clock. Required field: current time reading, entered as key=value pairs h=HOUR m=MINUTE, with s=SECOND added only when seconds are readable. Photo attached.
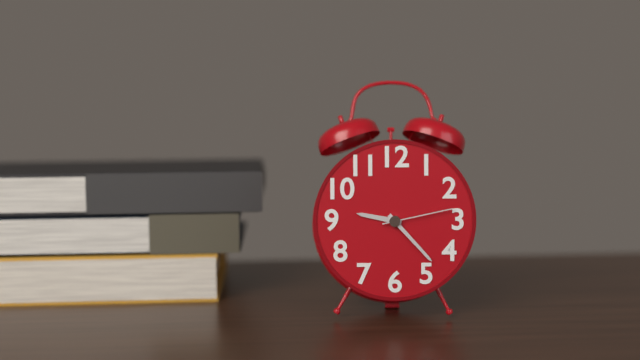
h=9 m=23 s=13
